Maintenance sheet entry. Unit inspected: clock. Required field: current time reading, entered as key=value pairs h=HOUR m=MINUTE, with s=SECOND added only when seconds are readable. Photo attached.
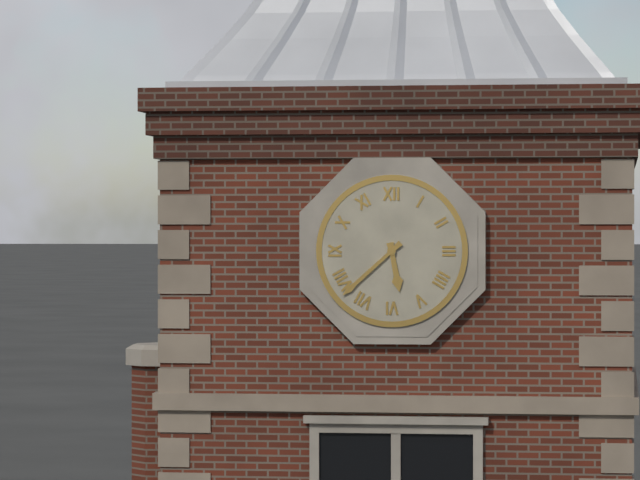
h=5 m=38
